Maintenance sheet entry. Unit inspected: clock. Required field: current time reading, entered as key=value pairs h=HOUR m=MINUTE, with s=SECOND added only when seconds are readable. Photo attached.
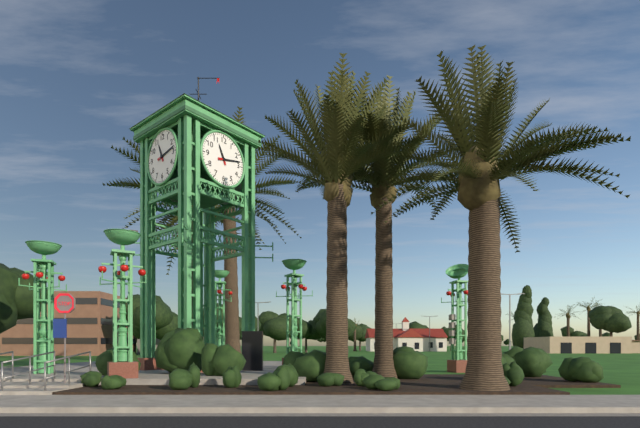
h=11 m=13
